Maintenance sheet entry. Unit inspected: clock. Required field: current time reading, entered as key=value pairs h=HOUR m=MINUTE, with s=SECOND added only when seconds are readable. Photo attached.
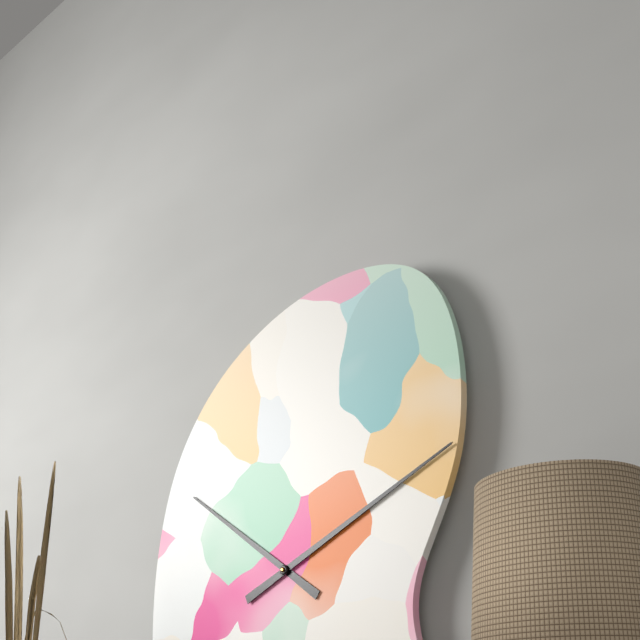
h=10 m=11
